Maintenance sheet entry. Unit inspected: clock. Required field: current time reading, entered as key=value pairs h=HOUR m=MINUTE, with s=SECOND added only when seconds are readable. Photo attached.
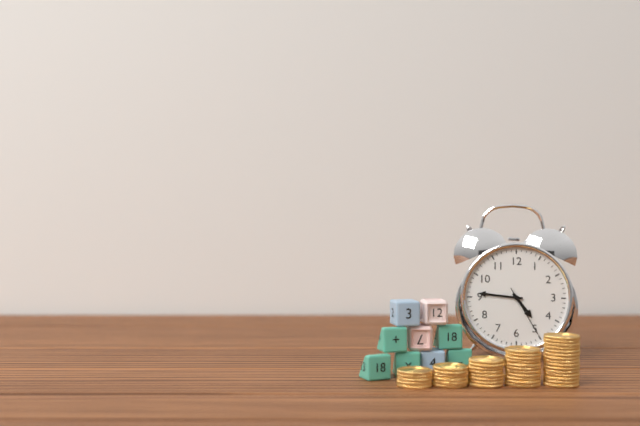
h=4 m=46 s=25
